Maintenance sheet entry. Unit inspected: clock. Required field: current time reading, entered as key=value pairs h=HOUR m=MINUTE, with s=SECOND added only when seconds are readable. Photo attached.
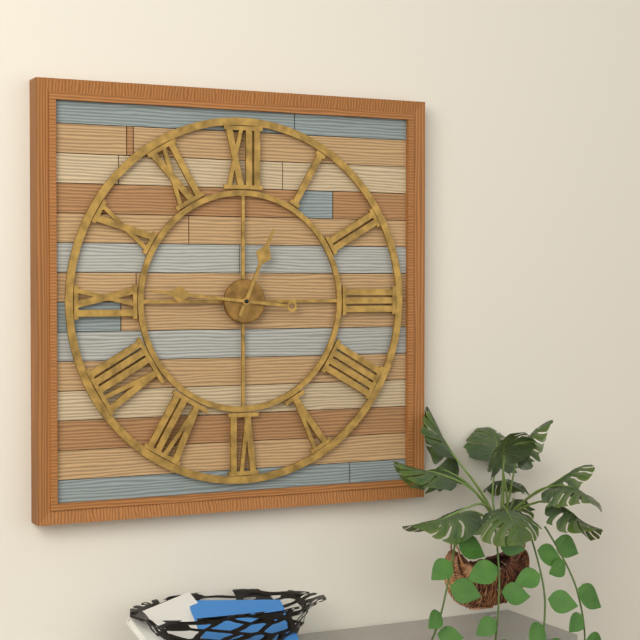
h=12 m=46
